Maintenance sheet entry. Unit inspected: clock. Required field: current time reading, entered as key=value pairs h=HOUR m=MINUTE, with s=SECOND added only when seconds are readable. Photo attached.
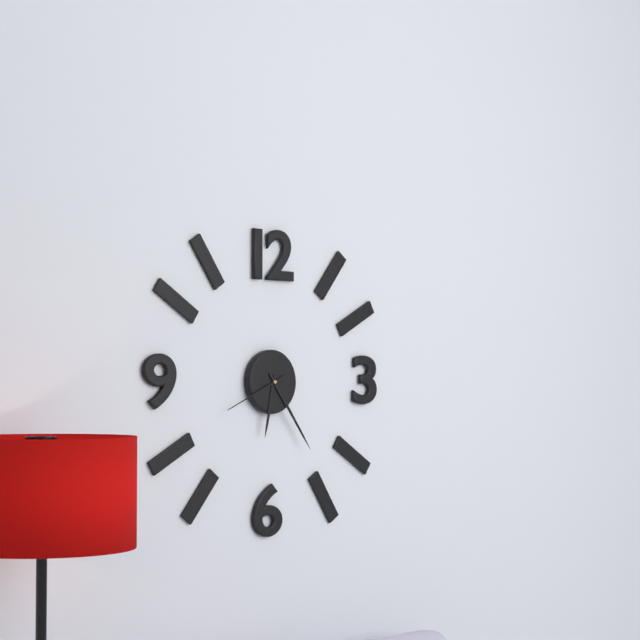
h=6 m=24 s=41
